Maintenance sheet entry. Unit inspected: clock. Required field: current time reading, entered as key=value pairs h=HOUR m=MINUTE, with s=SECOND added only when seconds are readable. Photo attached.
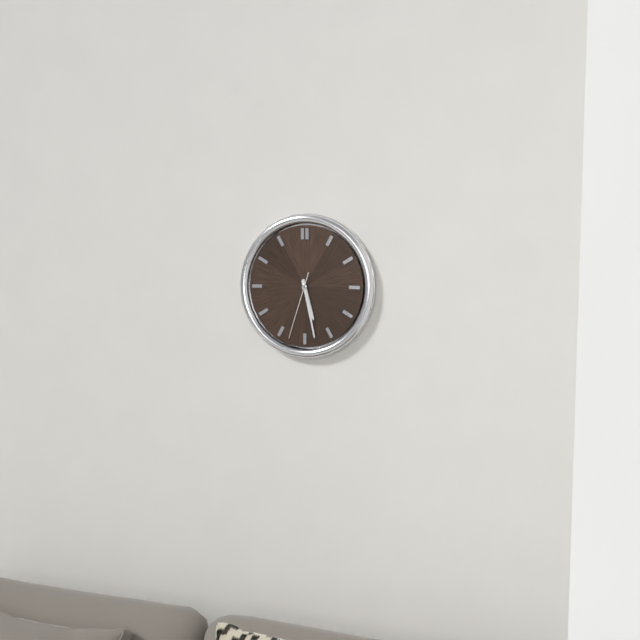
h=5 m=28 s=33
